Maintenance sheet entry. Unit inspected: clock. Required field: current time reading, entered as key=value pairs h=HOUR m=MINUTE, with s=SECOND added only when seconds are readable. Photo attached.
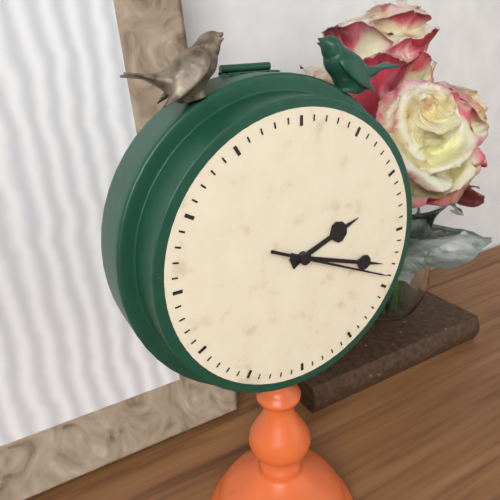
h=2 m=18 s=19
